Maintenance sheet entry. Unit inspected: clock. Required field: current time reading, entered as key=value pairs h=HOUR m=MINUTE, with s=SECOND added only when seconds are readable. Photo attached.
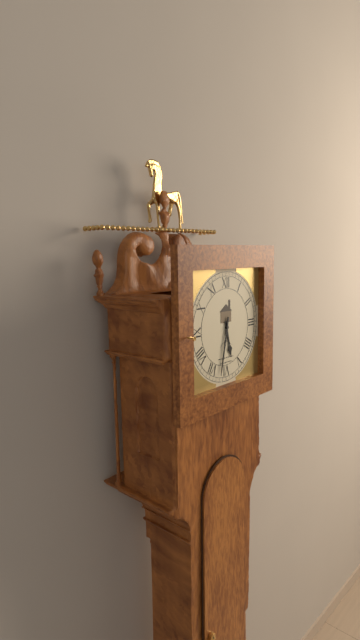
h=5 m=32
